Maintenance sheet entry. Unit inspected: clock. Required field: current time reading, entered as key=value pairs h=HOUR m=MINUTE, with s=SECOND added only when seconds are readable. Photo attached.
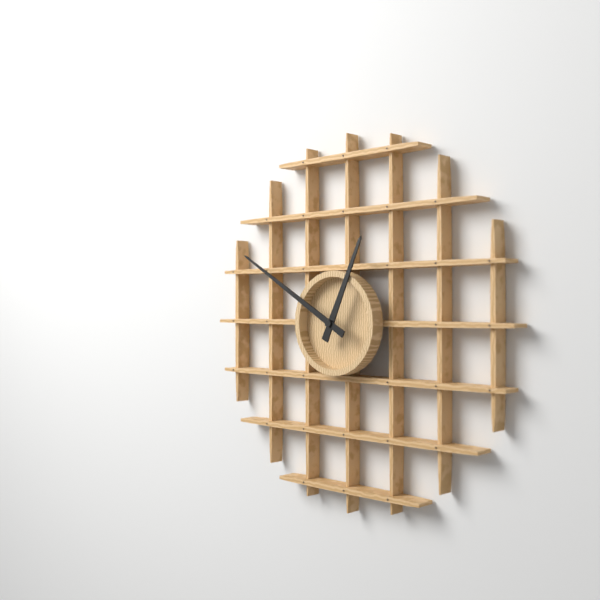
h=12 m=50
